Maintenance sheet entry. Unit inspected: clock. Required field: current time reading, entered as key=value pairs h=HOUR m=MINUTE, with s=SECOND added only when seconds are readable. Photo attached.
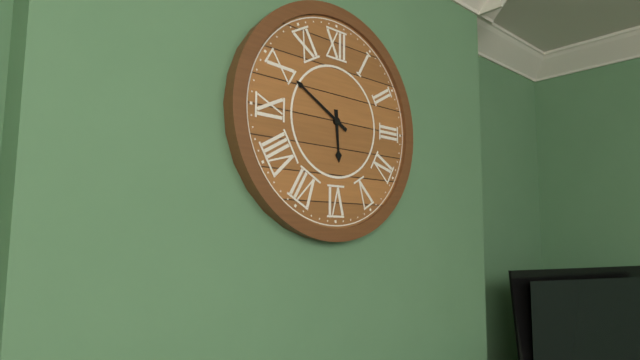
h=5 m=50
